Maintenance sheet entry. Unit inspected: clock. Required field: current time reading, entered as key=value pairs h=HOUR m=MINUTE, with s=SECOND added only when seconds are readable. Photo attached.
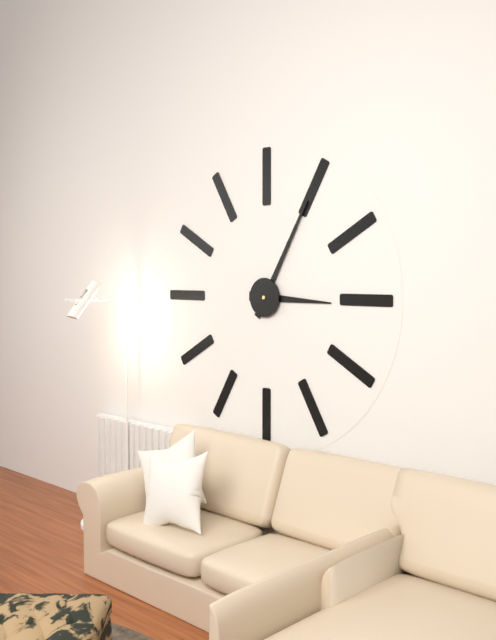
h=3 m=5
